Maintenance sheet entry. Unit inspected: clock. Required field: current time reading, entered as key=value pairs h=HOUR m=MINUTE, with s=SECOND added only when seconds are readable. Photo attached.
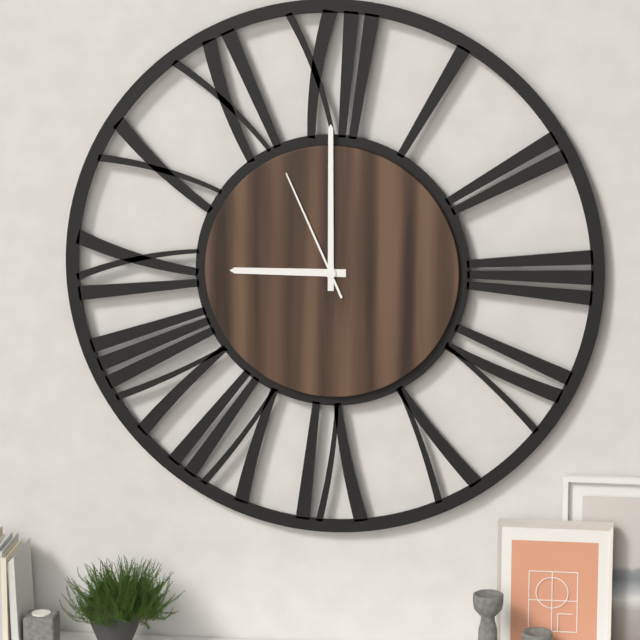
h=9 m=0 s=56
